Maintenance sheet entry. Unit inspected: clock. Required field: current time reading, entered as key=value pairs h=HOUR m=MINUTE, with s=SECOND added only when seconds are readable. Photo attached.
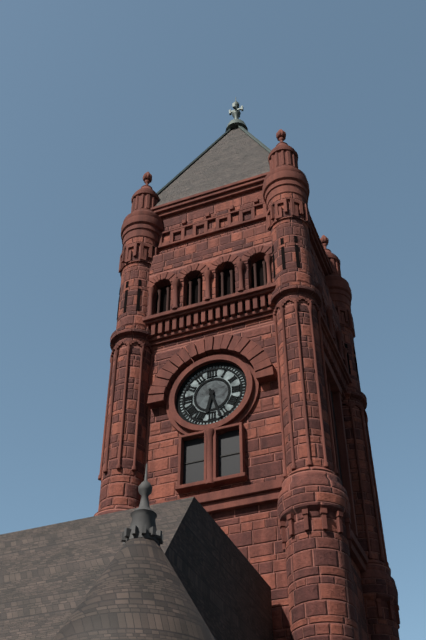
h=6 m=27
